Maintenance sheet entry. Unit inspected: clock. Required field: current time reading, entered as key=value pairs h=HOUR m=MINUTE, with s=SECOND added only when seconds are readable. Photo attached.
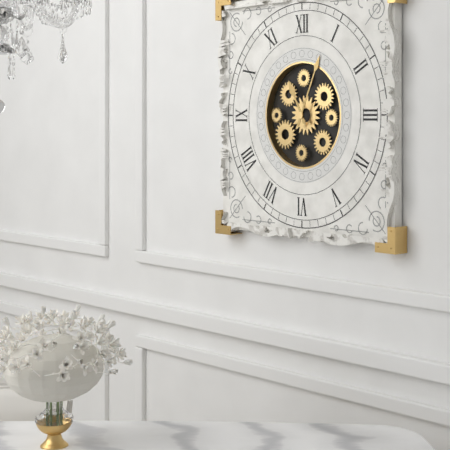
h=11 m=4
